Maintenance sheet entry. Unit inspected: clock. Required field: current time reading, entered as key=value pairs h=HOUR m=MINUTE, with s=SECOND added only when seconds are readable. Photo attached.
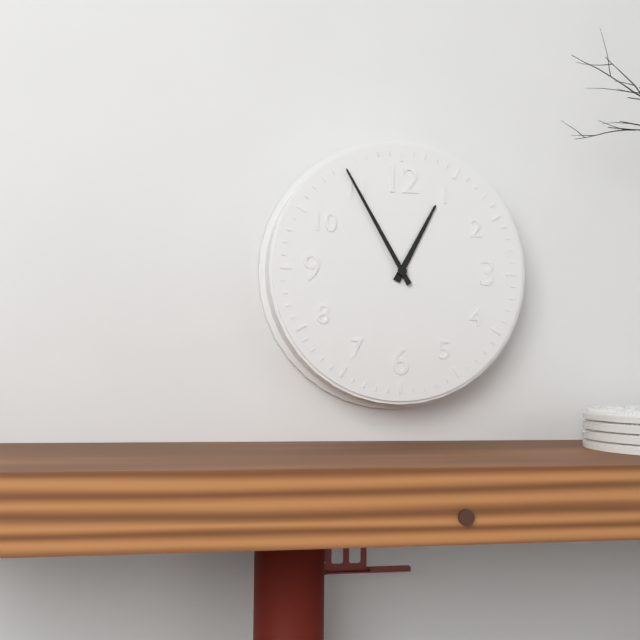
h=12 m=55
